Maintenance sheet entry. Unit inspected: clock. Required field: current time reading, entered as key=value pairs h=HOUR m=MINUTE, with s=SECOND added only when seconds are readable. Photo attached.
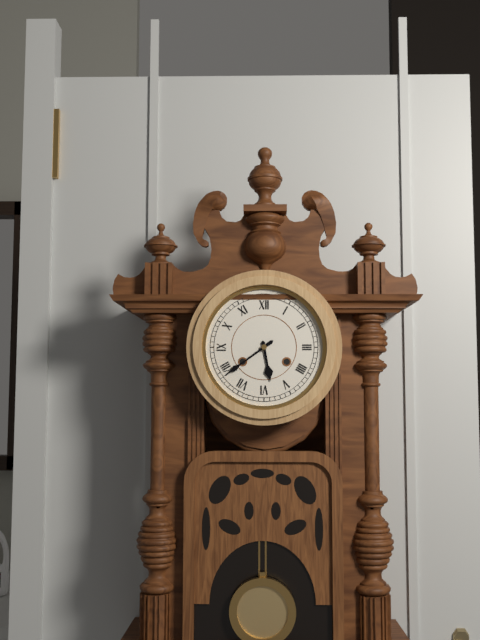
h=5 m=39
